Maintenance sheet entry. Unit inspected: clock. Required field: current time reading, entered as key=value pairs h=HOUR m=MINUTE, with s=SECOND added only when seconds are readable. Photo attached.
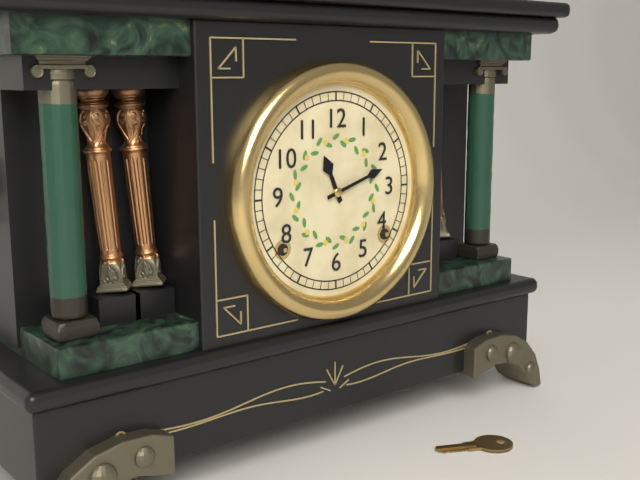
h=11 m=12
